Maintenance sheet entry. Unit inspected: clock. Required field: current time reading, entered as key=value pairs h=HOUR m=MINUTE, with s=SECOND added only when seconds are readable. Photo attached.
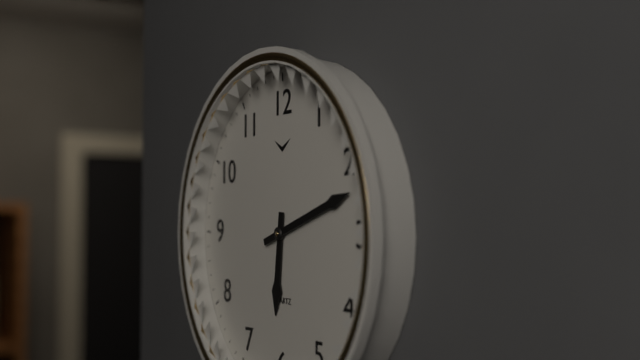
h=6 m=12
